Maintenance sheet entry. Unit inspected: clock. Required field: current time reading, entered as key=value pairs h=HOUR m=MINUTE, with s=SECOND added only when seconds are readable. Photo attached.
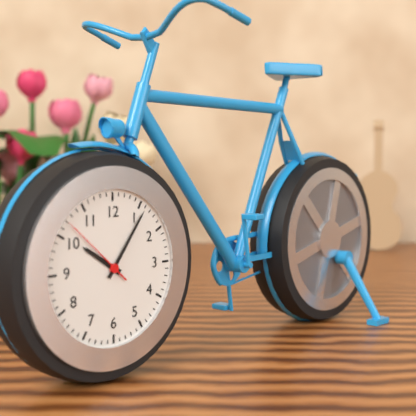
h=10 m=6 s=52
